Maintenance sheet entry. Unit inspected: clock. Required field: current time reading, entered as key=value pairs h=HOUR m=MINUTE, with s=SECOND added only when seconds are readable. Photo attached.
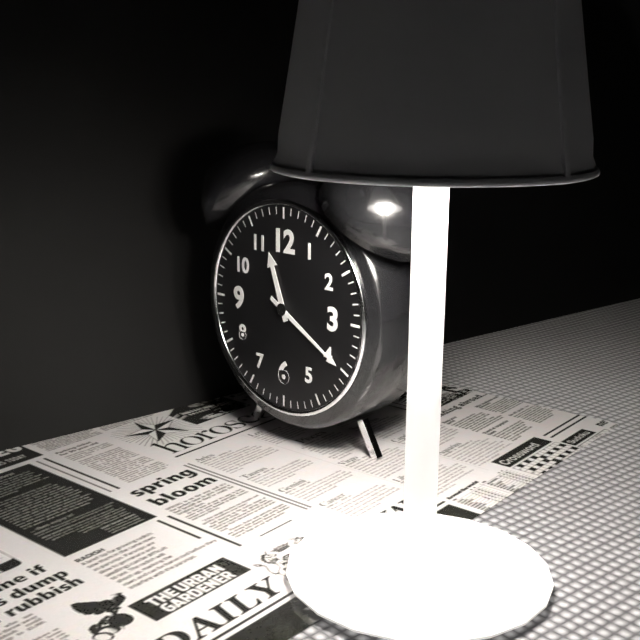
h=11 m=20
